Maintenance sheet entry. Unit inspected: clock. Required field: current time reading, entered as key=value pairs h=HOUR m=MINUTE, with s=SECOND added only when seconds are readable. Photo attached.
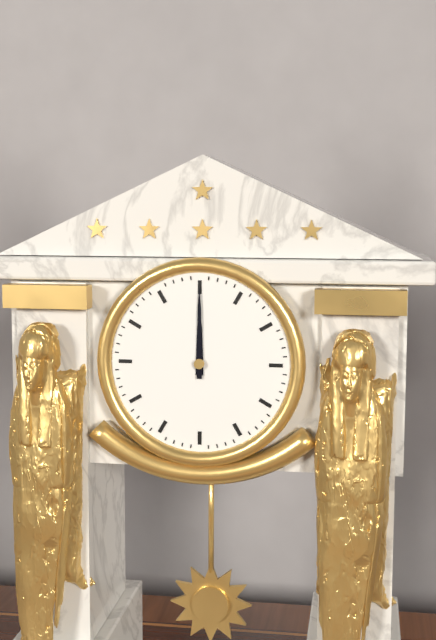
h=12 m=0
